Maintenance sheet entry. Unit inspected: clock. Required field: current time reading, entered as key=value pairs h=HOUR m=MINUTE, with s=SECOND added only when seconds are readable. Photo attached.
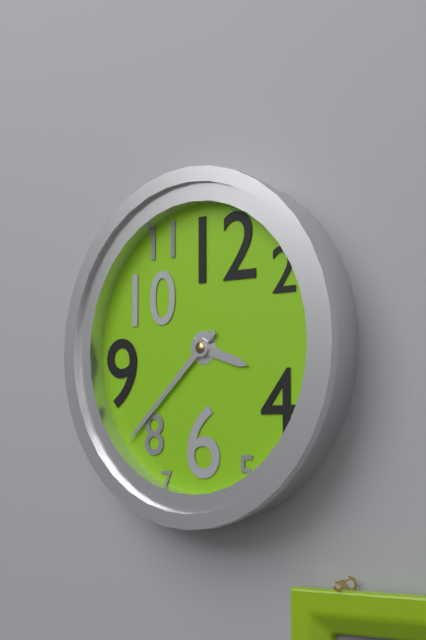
h=3 m=38
